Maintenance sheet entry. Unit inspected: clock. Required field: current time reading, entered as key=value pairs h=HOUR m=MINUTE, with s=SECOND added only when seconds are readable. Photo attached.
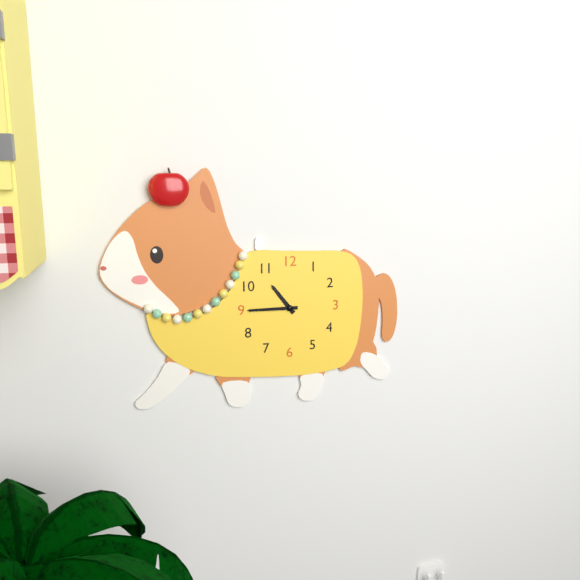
h=10 m=45
